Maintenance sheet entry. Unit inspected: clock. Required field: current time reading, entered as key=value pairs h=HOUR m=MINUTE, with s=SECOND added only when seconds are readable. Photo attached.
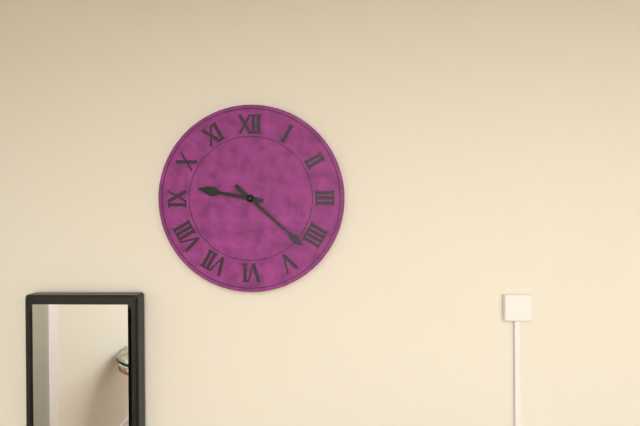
h=9 m=22
